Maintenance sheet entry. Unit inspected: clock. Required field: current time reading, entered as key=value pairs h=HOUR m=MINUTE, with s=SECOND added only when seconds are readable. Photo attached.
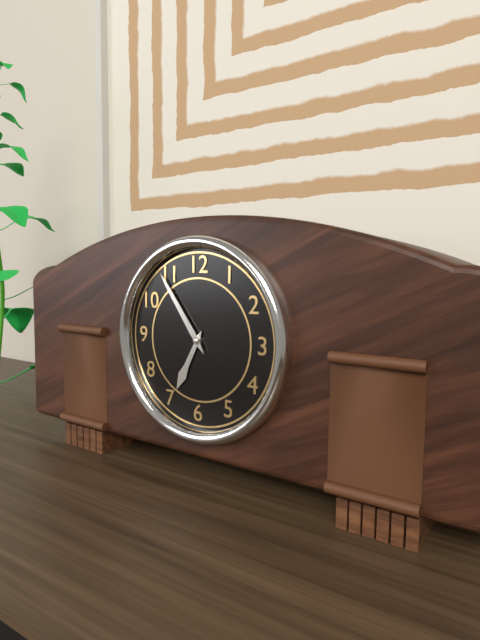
h=6 m=54
